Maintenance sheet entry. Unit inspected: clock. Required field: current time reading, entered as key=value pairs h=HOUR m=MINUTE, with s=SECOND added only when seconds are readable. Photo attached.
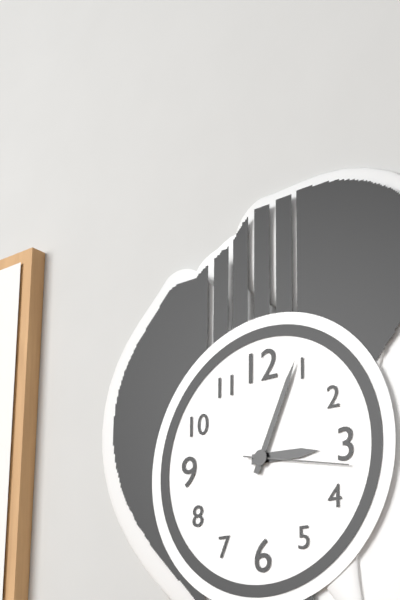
h=3 m=4 s=17
